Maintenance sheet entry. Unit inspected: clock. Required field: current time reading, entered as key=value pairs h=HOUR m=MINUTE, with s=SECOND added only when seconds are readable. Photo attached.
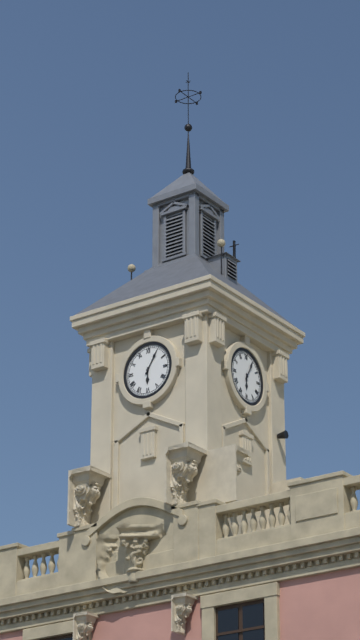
h=6 m=5
